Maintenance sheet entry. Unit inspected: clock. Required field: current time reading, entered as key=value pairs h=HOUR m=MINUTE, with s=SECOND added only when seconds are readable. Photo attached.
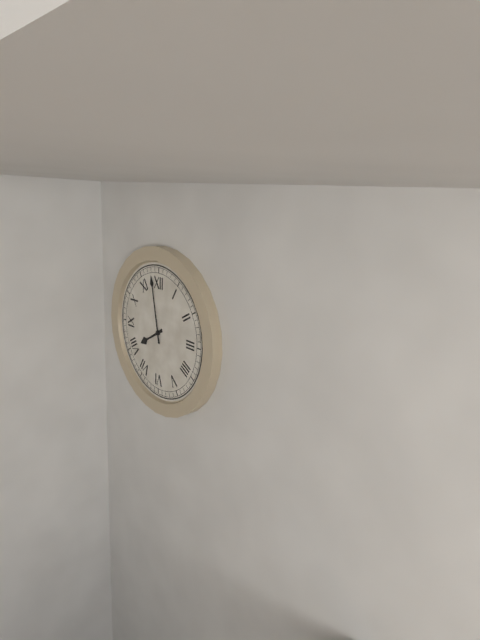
h=7 m=58
